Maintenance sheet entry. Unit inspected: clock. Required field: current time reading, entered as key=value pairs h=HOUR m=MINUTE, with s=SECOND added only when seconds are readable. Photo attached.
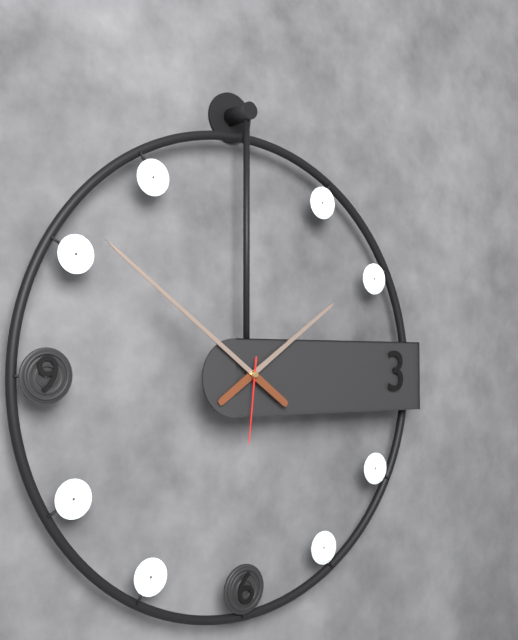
h=1 m=51 s=31
